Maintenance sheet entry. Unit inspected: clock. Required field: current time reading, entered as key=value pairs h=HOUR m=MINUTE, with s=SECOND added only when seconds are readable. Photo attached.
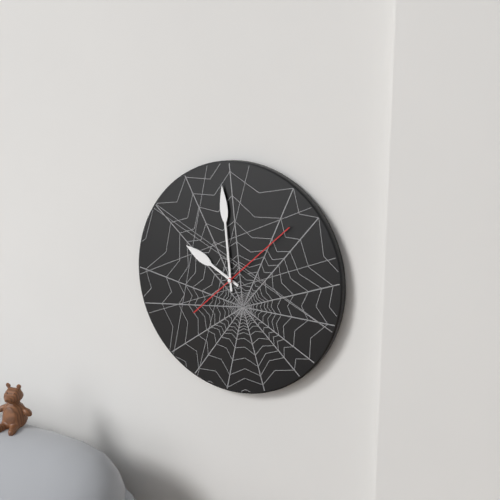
h=9 m=59 s=8
